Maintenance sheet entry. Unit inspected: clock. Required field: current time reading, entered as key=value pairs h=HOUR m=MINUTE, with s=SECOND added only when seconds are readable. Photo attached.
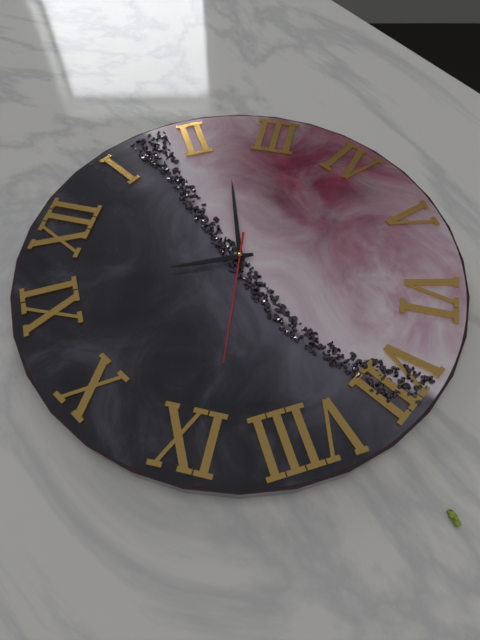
h=11 m=12 s=44
